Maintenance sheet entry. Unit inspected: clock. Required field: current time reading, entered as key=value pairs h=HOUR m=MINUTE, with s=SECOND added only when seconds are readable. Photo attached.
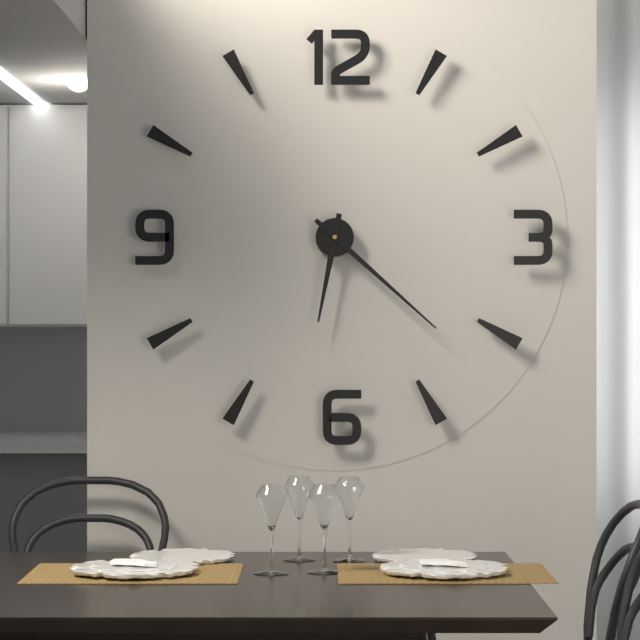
h=6 m=22
